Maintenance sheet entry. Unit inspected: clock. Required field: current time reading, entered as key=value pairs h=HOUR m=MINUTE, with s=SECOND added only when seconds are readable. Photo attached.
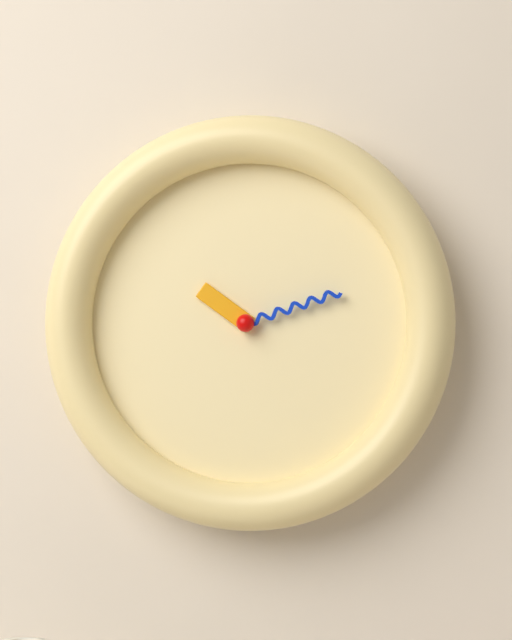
h=10 m=12
